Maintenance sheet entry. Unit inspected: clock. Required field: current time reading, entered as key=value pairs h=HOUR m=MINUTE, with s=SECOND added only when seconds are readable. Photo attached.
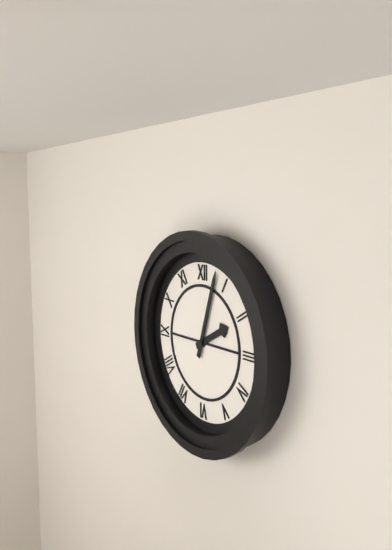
h=2 m=3
